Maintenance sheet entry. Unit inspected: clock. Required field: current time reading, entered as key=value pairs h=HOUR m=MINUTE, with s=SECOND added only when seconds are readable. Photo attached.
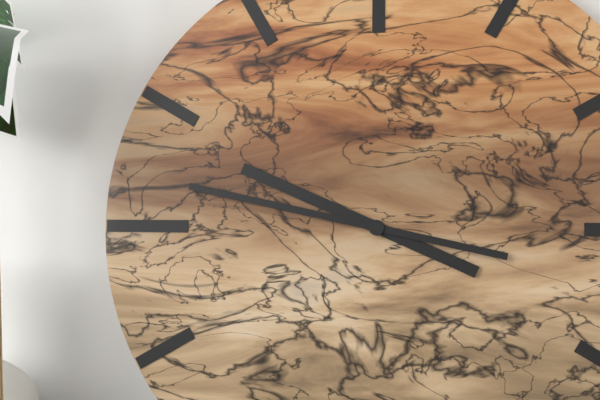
h=9 m=47
